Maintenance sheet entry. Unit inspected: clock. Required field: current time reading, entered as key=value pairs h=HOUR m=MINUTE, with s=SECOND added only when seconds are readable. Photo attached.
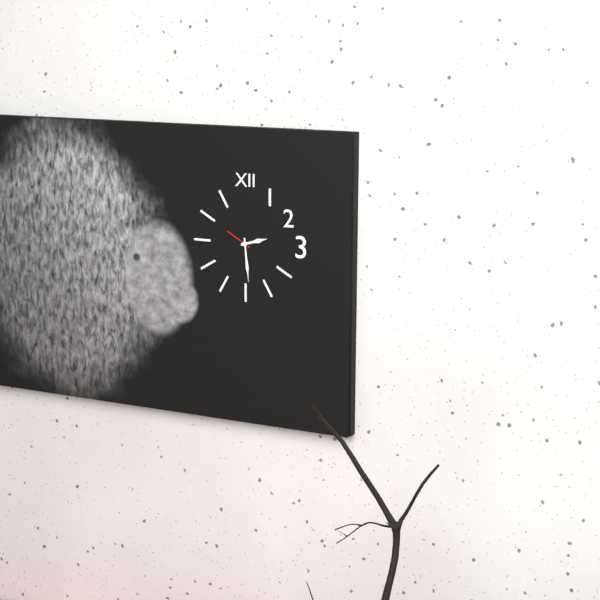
h=2 m=29
